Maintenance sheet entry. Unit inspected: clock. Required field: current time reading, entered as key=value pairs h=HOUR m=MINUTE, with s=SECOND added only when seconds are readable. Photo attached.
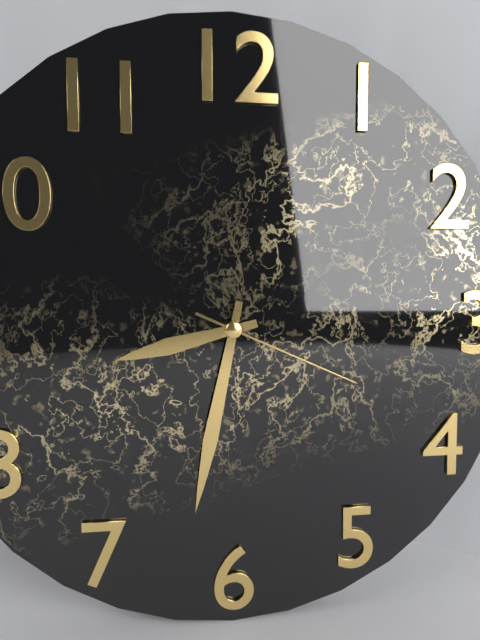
h=8 m=32 s=19
